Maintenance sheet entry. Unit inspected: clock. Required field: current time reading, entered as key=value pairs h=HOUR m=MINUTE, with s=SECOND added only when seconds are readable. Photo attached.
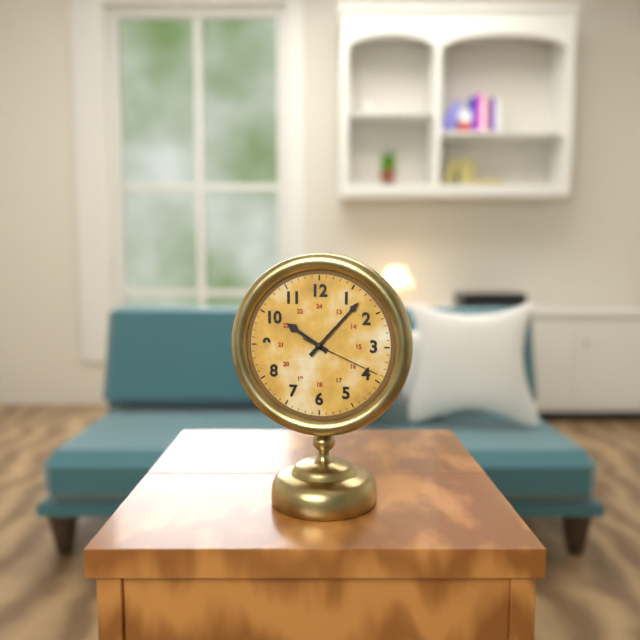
h=10 m=7 s=19
